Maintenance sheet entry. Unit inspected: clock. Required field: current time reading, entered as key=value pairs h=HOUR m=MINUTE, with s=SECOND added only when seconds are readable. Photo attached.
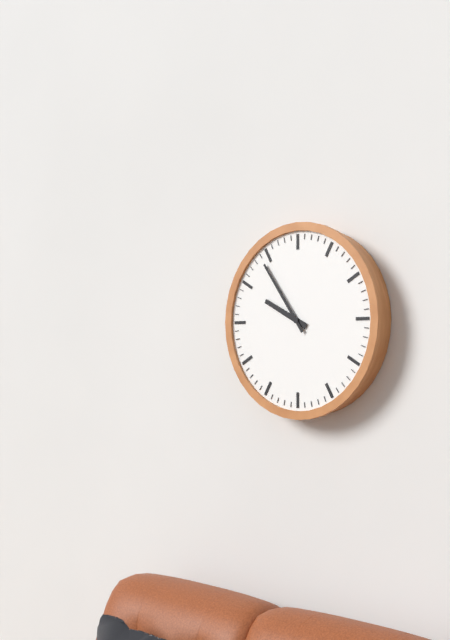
h=9 m=54
